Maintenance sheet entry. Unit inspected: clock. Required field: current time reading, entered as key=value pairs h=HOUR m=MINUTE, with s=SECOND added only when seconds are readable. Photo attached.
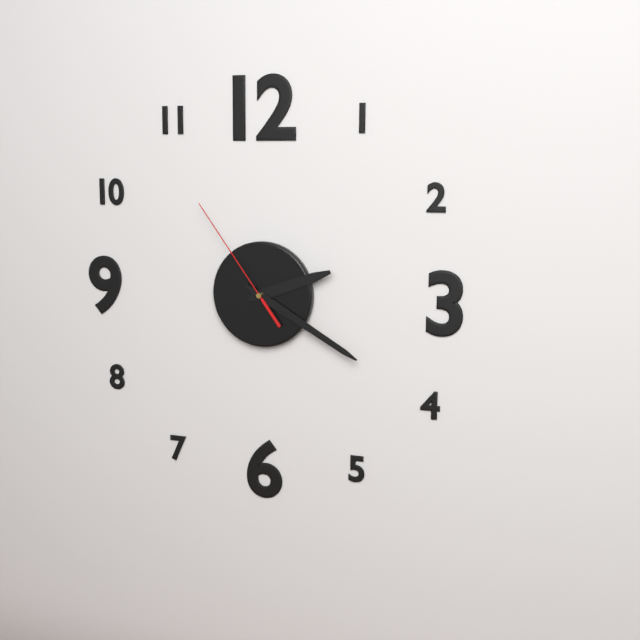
h=2 m=20 s=54
